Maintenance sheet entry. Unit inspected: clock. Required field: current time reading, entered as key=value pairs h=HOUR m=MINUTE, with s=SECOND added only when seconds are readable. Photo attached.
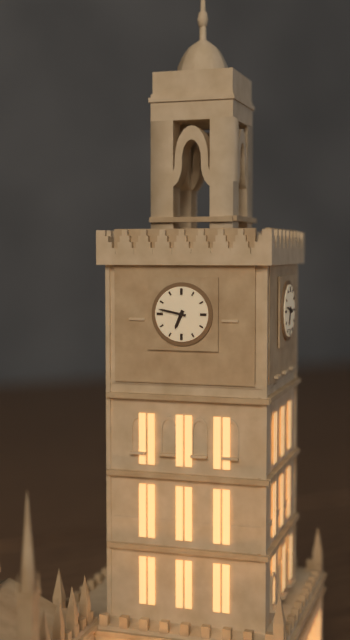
h=6 m=47
